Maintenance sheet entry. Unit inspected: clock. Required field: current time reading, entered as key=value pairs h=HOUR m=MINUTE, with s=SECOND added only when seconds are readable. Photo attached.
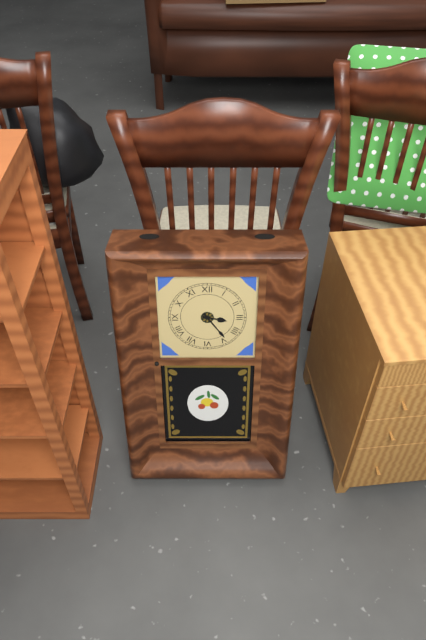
h=3 m=24
